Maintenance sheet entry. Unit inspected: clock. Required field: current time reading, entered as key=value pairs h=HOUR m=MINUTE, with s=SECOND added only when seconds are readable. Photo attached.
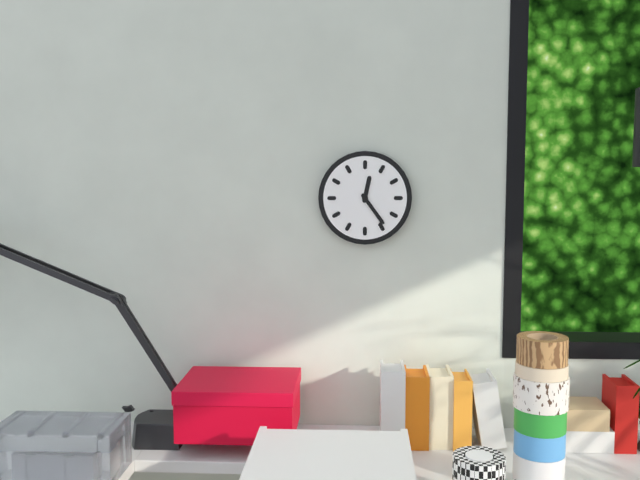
h=12 m=24
